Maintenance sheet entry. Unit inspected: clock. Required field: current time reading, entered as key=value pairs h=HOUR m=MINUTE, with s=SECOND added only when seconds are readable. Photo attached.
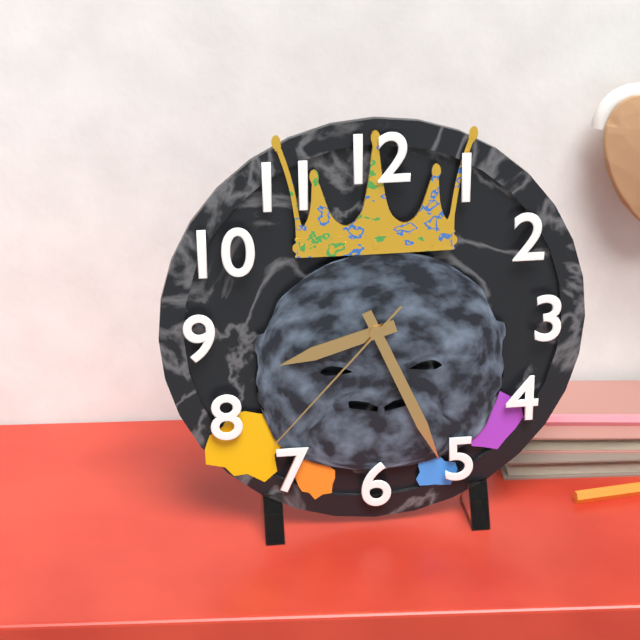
h=8 m=26 s=37
